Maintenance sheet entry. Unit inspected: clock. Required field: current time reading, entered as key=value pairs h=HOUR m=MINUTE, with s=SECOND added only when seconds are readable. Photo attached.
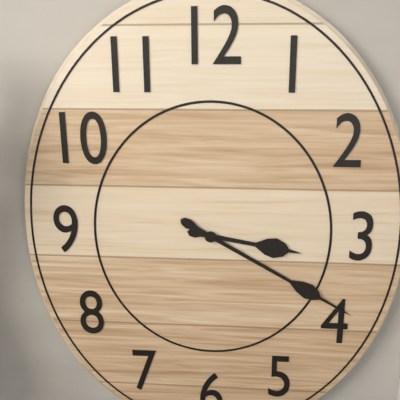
h=3 m=20
